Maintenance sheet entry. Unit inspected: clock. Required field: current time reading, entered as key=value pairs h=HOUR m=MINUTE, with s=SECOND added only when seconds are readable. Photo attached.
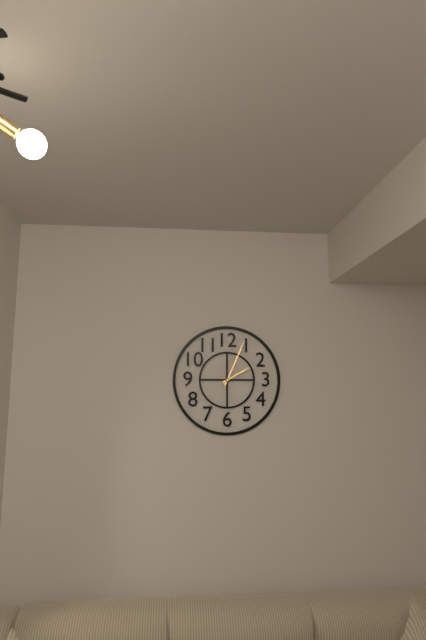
h=2 m=4
